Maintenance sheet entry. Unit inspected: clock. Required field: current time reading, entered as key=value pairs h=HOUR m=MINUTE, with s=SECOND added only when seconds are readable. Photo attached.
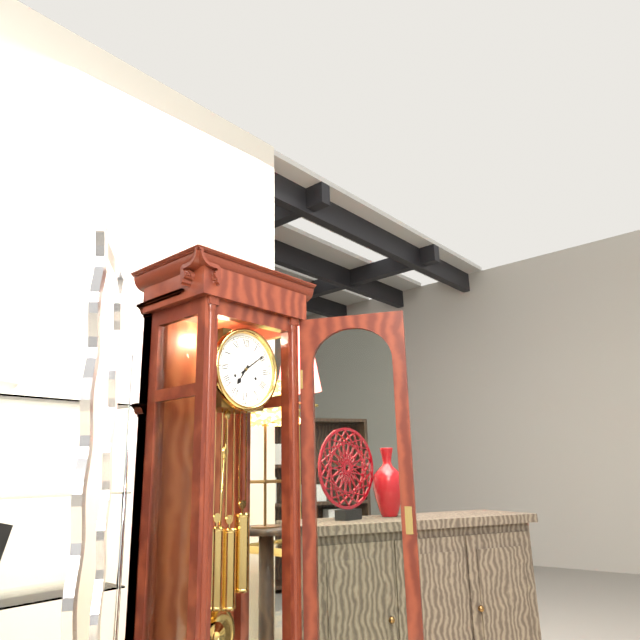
h=7 m=9
